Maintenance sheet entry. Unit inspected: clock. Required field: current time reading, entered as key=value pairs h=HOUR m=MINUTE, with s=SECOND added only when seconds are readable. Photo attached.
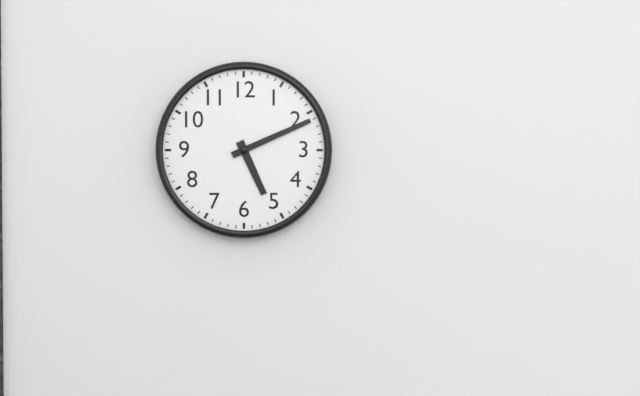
h=5 m=11
